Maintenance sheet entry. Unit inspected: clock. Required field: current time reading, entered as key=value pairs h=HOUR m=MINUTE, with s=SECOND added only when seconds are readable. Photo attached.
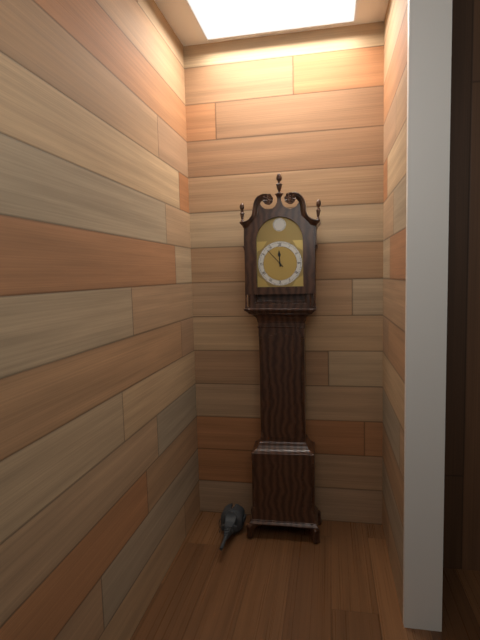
h=11 m=53
